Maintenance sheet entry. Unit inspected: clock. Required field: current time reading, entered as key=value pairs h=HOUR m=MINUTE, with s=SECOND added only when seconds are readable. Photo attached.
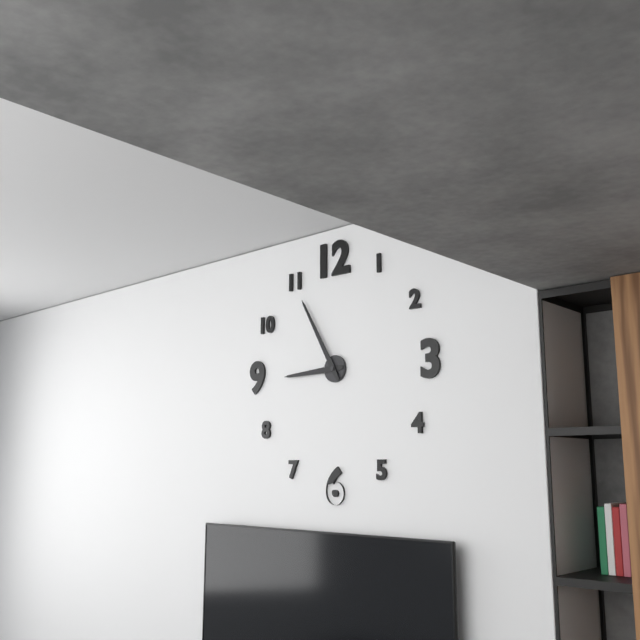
h=8 m=55
